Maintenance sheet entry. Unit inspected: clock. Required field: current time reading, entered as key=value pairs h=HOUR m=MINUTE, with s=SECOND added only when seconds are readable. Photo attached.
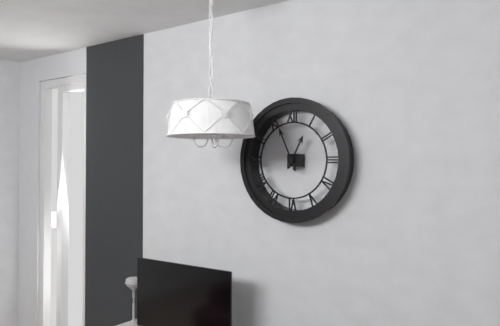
h=12 m=56
